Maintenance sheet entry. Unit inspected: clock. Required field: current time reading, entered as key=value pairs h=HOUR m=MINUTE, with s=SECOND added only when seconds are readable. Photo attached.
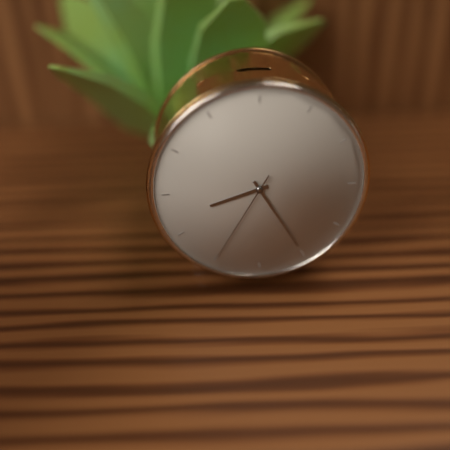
h=8 m=25 s=35
